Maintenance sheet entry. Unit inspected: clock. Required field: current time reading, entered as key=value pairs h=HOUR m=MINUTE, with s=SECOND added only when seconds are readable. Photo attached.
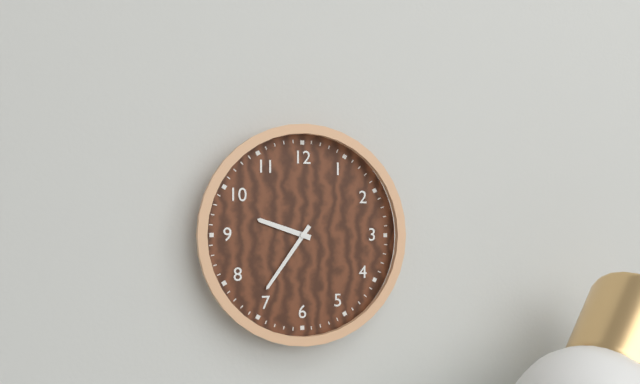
h=9 m=36
